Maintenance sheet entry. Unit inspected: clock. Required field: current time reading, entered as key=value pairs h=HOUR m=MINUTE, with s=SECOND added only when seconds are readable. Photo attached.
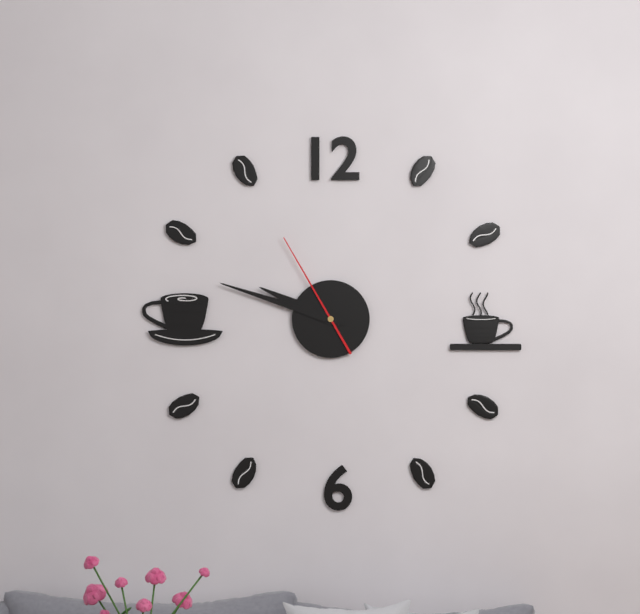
h=9 m=48 s=55
